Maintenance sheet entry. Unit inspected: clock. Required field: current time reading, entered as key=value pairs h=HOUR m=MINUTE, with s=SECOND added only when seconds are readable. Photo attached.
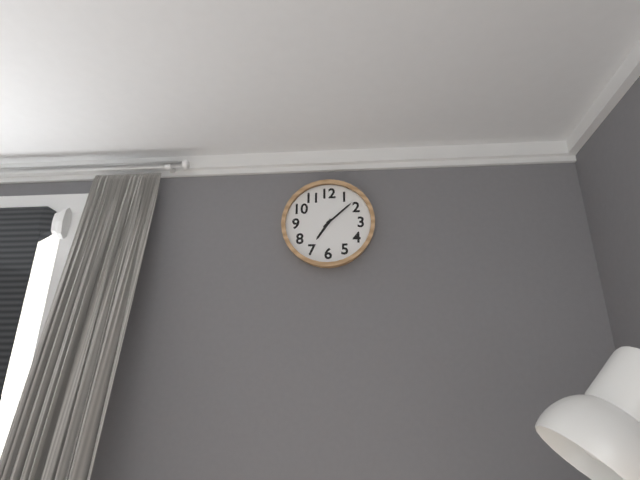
h=7 m=8
